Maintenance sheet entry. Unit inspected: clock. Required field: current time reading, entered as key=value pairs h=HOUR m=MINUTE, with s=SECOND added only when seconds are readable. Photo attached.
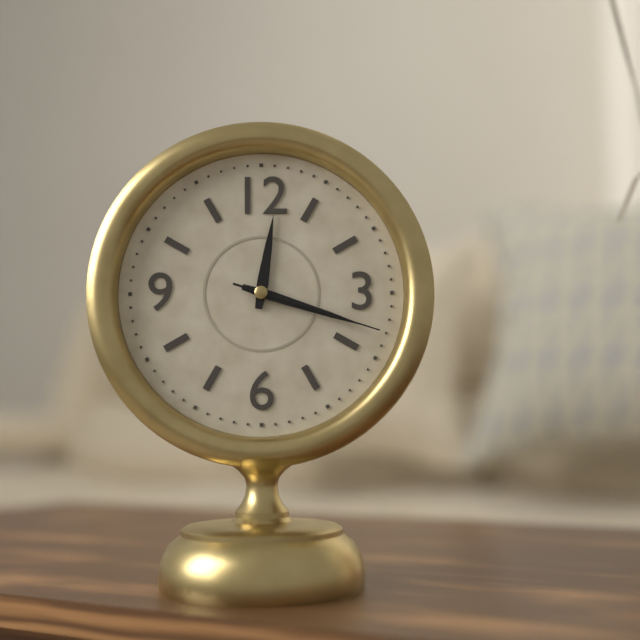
h=12 m=18 s=18
